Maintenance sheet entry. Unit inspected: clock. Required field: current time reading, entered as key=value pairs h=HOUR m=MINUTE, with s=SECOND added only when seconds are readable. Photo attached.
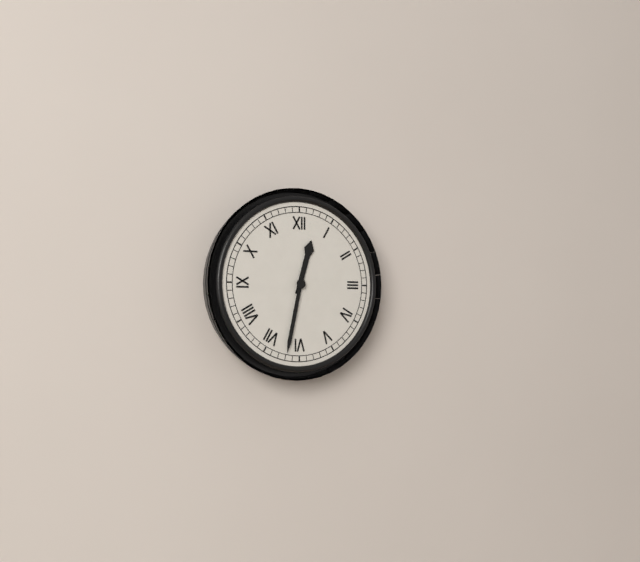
h=12 m=32
